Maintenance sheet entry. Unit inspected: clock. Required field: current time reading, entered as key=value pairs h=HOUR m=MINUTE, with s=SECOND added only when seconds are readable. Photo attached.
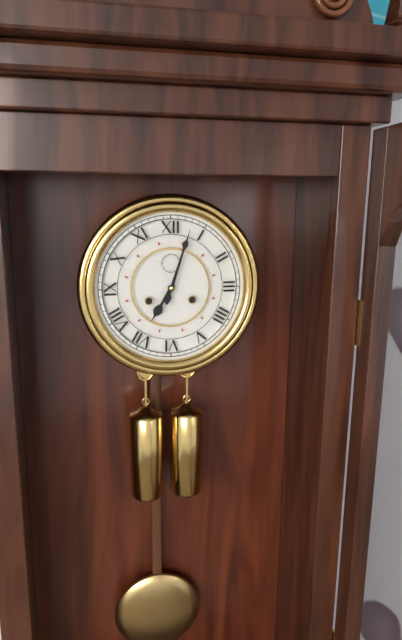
h=7 m=3
